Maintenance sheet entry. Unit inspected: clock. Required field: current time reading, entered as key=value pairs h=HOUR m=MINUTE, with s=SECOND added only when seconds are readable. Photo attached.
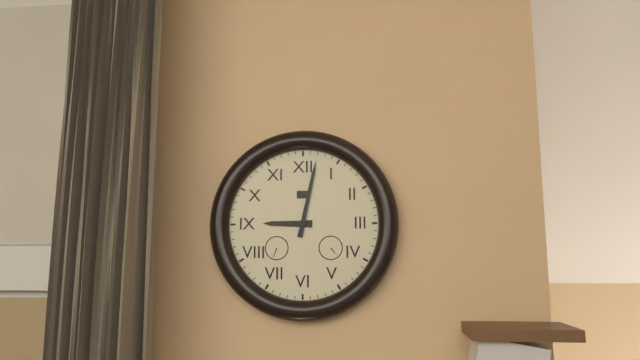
h=9 m=2
